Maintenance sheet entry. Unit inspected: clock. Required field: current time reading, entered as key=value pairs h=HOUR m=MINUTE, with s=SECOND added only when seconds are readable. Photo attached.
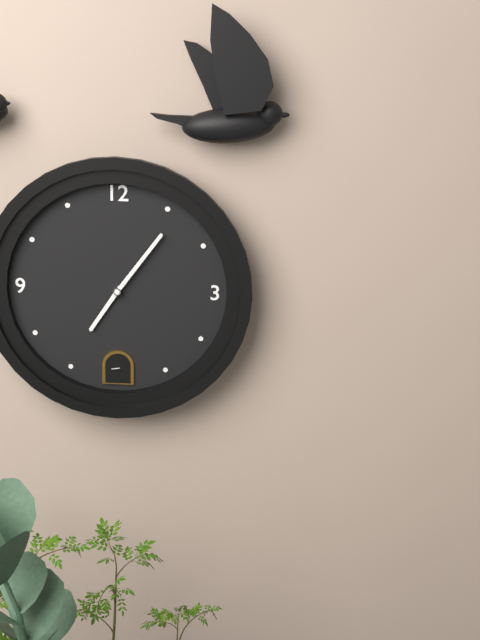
h=7 m=6
